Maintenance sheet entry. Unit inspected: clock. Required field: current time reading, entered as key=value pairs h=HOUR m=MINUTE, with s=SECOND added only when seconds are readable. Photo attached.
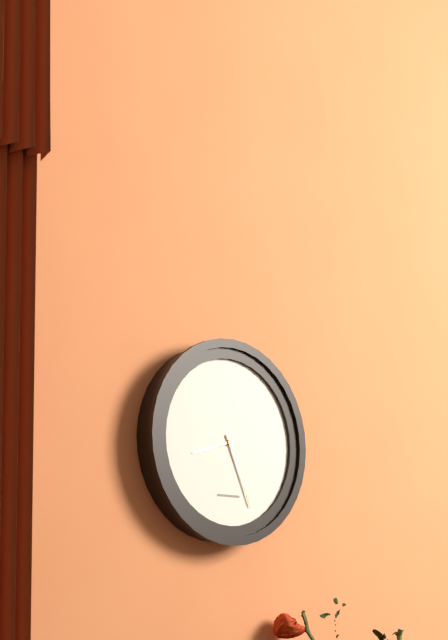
h=8 m=26
